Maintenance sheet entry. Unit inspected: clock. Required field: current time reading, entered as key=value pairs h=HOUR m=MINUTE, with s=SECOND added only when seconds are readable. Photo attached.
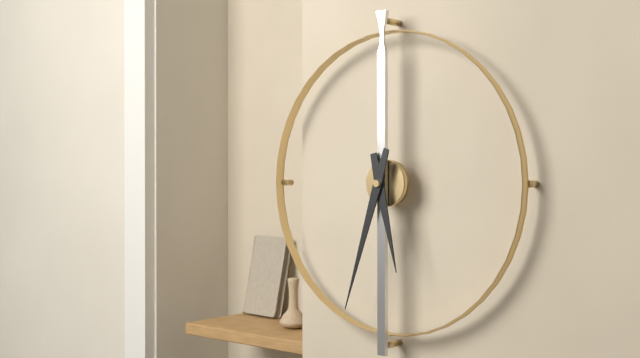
h=5 m=33
